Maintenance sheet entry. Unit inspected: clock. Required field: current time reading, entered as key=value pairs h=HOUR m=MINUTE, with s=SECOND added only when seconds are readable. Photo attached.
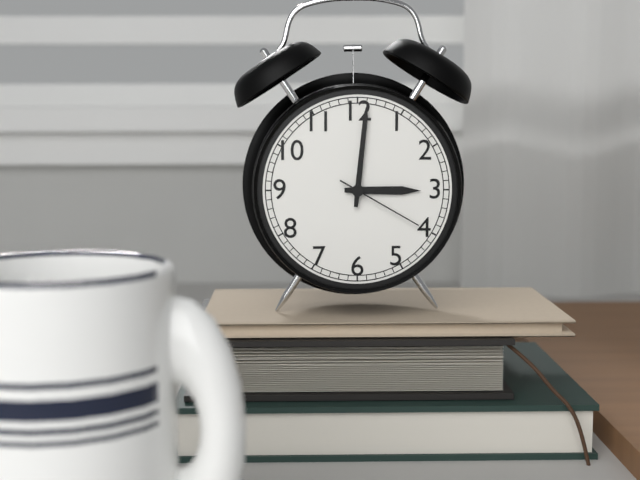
h=3 m=1 s=20
